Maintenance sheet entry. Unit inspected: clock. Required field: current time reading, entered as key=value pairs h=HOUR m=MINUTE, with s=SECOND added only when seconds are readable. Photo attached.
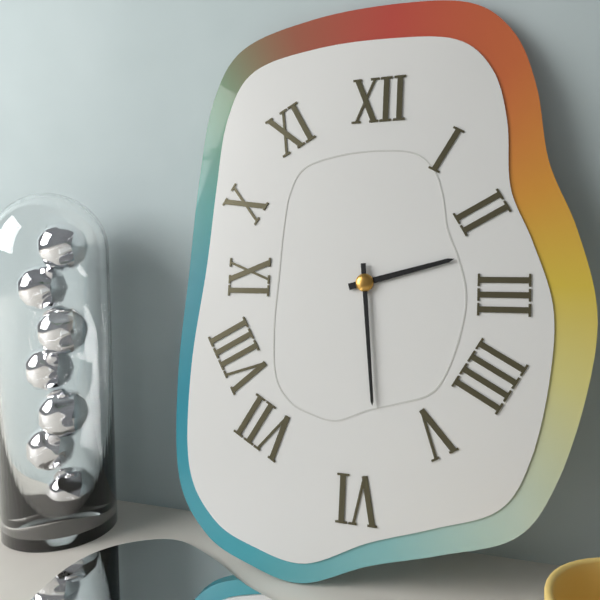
h=2 m=29
